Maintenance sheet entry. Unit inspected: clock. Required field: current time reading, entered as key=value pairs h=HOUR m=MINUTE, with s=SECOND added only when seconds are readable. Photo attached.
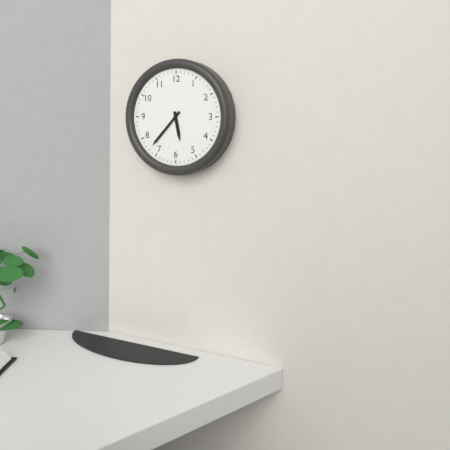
h=5 m=37
